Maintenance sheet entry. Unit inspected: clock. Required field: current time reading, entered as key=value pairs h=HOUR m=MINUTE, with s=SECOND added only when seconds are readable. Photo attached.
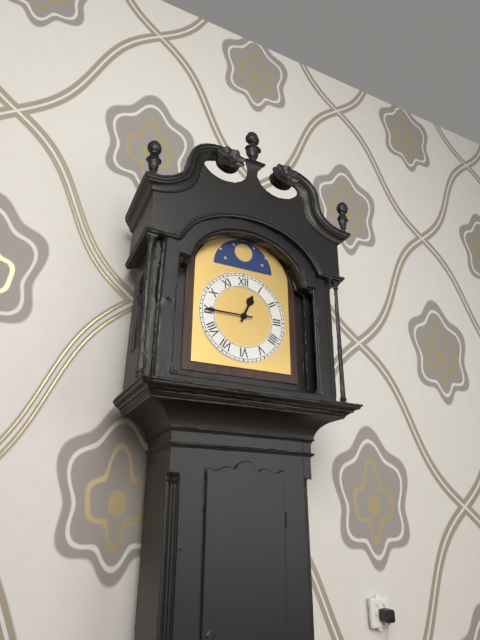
h=12 m=45
